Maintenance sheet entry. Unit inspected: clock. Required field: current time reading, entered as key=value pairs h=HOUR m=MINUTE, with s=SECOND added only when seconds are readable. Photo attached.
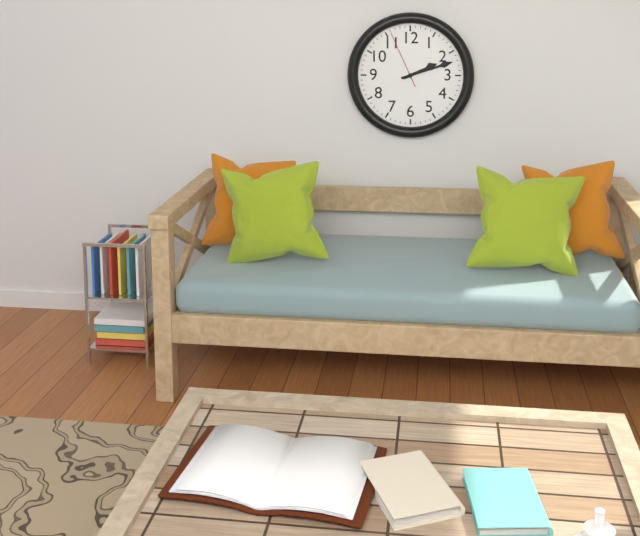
h=2 m=12 s=56
